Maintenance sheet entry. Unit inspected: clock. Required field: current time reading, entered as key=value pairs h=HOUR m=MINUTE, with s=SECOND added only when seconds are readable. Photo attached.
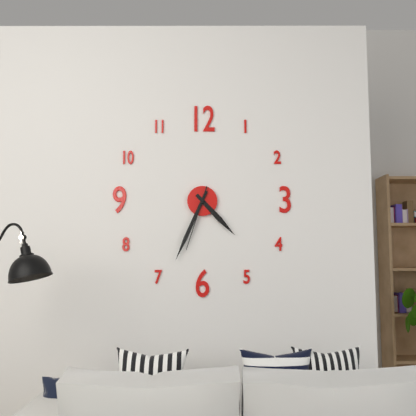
h=4 m=34 s=33
